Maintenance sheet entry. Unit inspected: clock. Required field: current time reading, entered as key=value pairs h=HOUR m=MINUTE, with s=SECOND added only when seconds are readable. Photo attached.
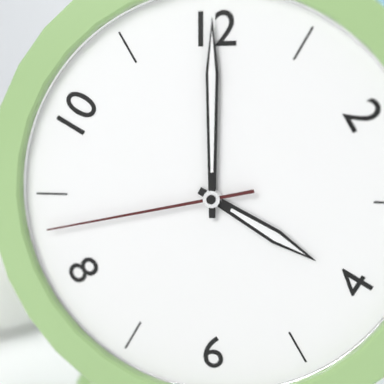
h=4 m=0 s=43
